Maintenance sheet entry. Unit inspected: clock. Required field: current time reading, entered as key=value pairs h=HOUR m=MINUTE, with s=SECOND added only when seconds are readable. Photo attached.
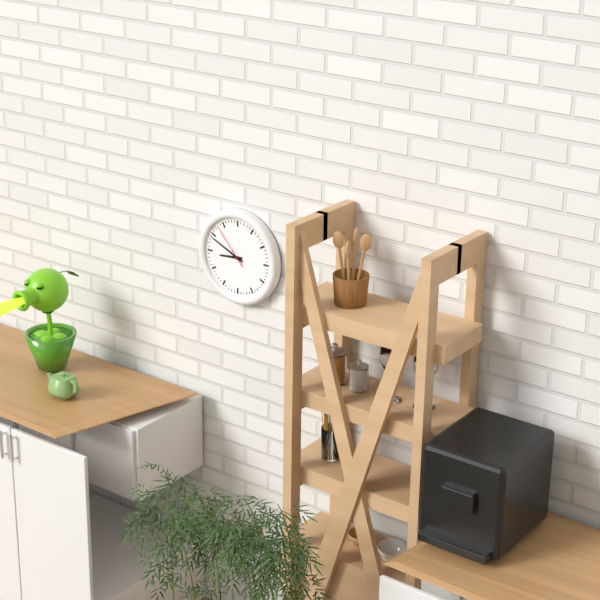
h=8 m=49
